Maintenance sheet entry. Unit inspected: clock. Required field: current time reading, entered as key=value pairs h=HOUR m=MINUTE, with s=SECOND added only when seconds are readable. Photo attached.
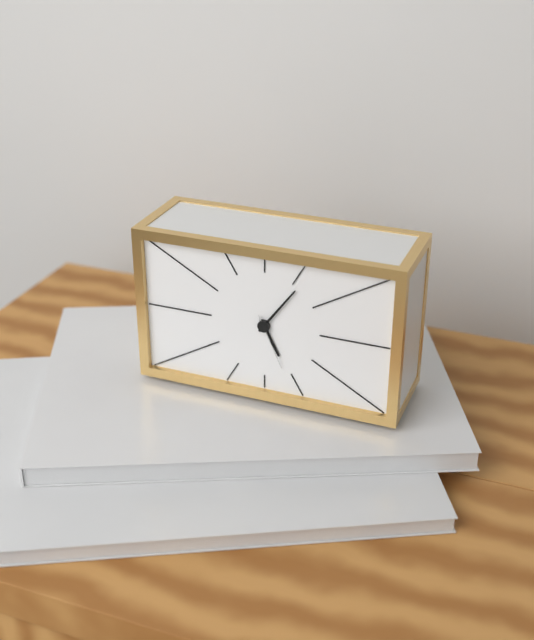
h=5 m=6 s=26
